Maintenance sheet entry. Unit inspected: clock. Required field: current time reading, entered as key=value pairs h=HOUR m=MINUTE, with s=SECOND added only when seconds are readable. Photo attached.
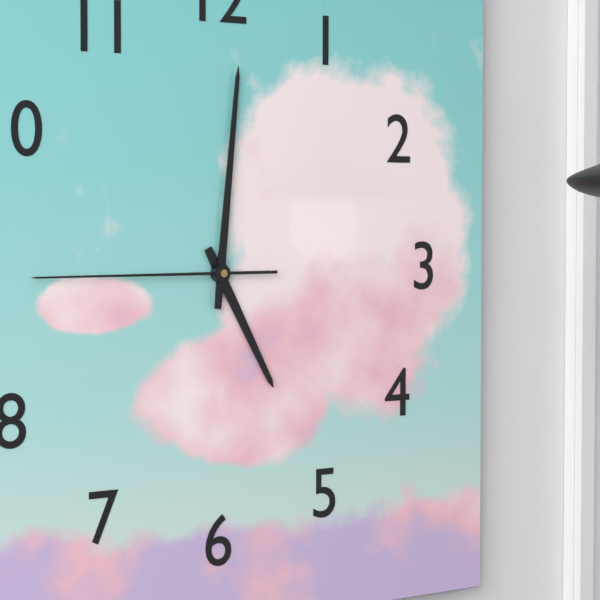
h=5 m=1 s=45
